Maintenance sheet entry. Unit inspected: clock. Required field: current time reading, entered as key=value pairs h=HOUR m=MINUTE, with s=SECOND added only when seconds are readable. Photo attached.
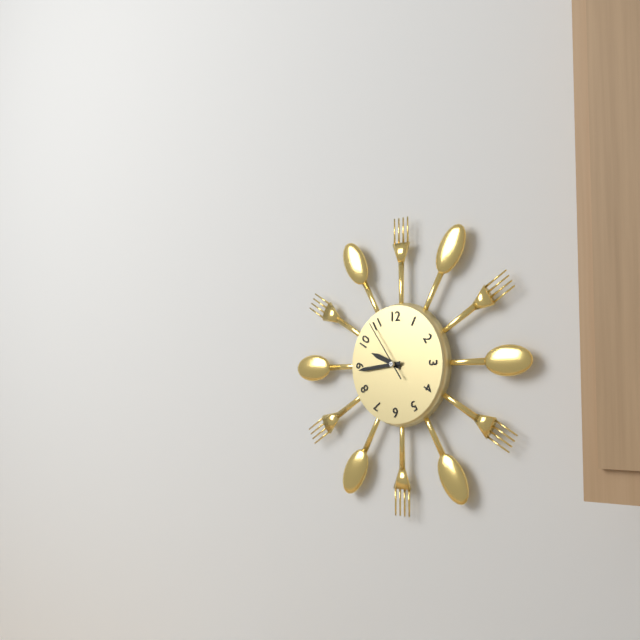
h=9 m=44 s=54
